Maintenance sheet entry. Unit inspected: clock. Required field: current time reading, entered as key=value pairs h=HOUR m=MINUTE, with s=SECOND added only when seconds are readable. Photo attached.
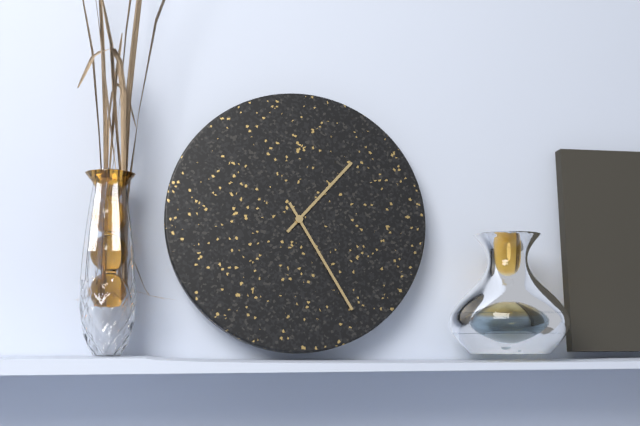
h=1 m=25
